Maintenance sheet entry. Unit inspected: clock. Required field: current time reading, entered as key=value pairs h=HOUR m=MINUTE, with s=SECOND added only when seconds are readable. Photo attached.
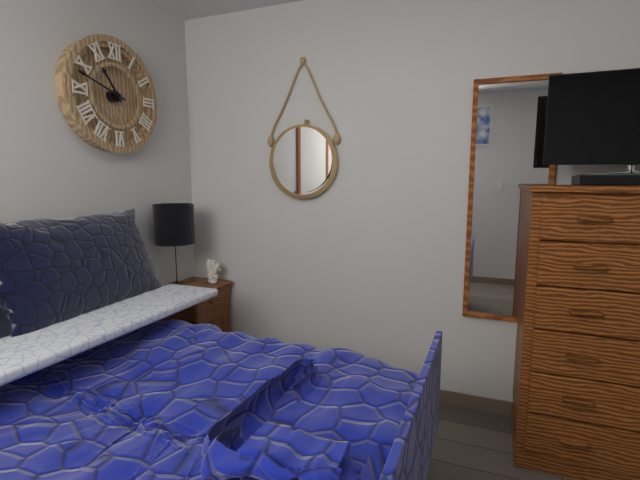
h=10 m=48
